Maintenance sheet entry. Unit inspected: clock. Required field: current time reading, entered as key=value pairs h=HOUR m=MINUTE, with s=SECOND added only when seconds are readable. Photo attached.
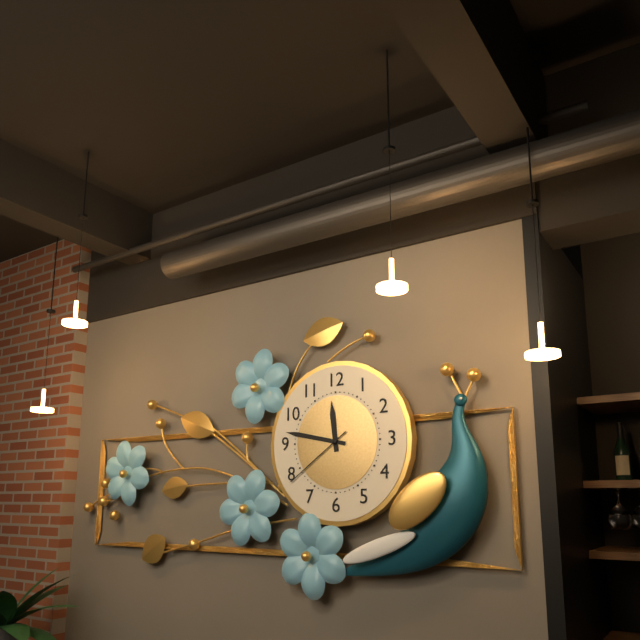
h=11 m=47 s=39
